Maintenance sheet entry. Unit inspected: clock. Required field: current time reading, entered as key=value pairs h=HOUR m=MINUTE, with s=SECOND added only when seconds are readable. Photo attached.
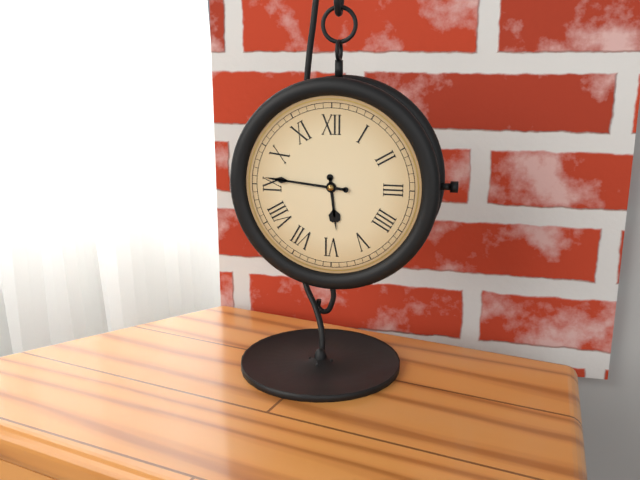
h=5 m=46
